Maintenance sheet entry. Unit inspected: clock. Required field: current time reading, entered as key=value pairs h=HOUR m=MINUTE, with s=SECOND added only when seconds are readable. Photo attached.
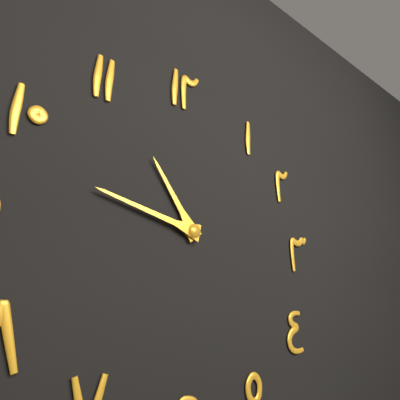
h=10 m=47
